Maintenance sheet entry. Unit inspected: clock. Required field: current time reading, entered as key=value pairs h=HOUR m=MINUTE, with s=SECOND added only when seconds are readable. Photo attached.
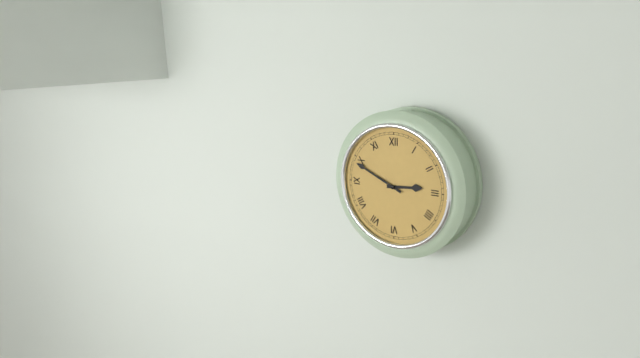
h=2 m=49
